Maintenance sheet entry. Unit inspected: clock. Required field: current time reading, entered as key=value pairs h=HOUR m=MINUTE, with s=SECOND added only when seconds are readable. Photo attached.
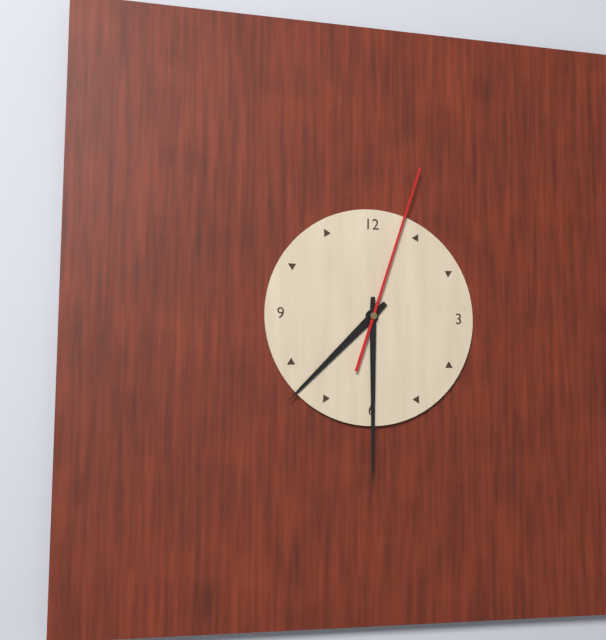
h=7 m=30 s=3
